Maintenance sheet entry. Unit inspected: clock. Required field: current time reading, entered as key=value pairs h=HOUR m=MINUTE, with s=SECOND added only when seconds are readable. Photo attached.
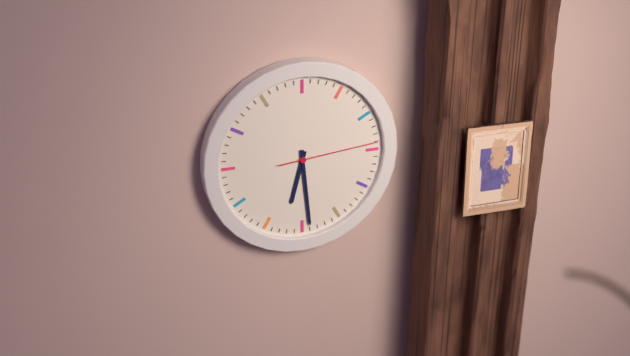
h=6 m=29 s=14
